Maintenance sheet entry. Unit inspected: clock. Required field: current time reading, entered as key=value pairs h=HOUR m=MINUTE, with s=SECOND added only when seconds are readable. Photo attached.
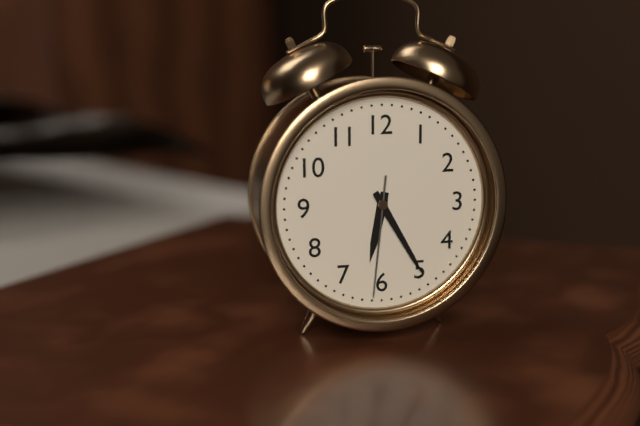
h=6 m=25 s=31
